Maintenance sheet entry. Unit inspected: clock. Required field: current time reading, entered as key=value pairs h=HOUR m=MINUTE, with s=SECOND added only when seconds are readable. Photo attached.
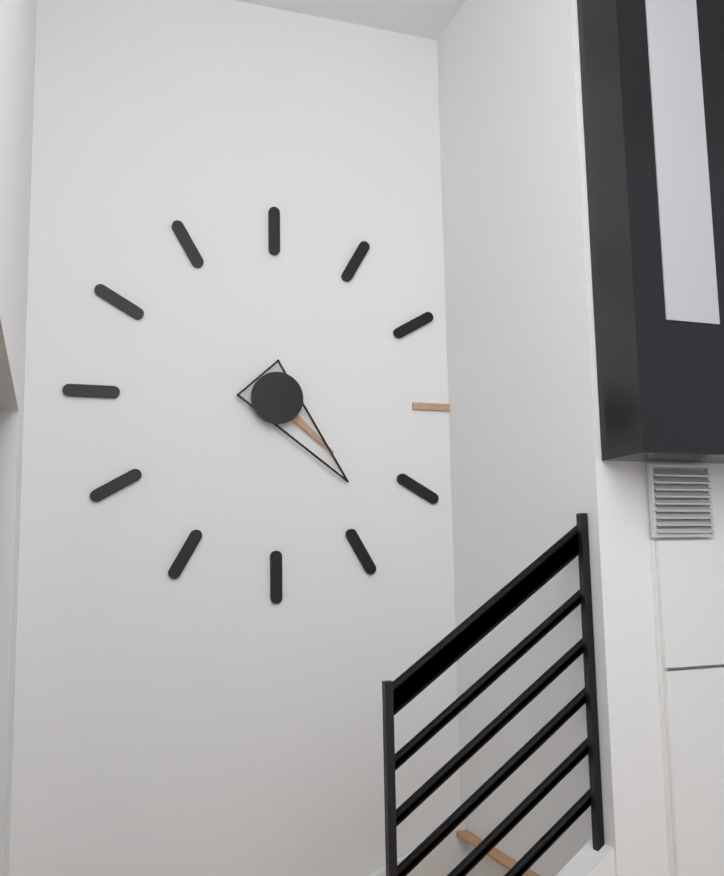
h=4 m=23
